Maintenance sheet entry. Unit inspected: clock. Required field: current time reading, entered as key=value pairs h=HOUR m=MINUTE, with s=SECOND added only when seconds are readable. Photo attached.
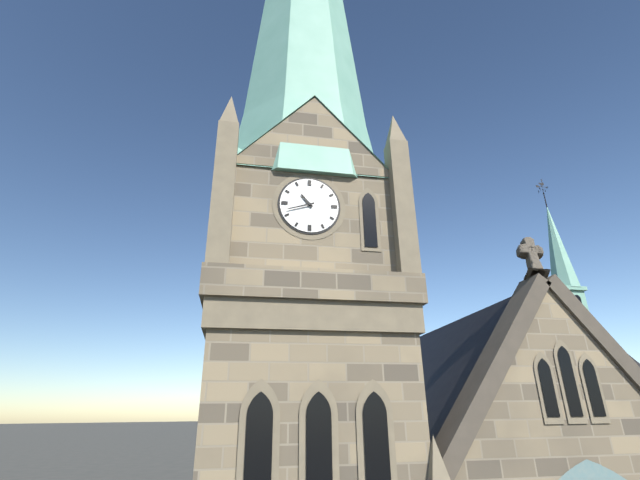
h=10 m=42
